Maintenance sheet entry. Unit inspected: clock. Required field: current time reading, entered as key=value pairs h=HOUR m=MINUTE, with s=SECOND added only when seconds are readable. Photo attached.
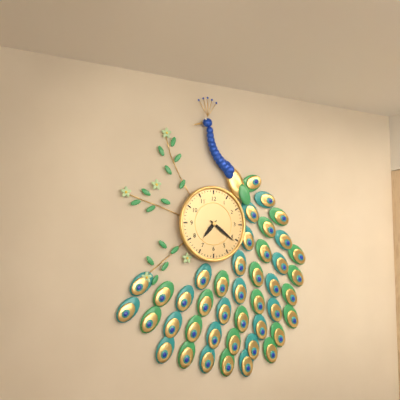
h=7 m=21
